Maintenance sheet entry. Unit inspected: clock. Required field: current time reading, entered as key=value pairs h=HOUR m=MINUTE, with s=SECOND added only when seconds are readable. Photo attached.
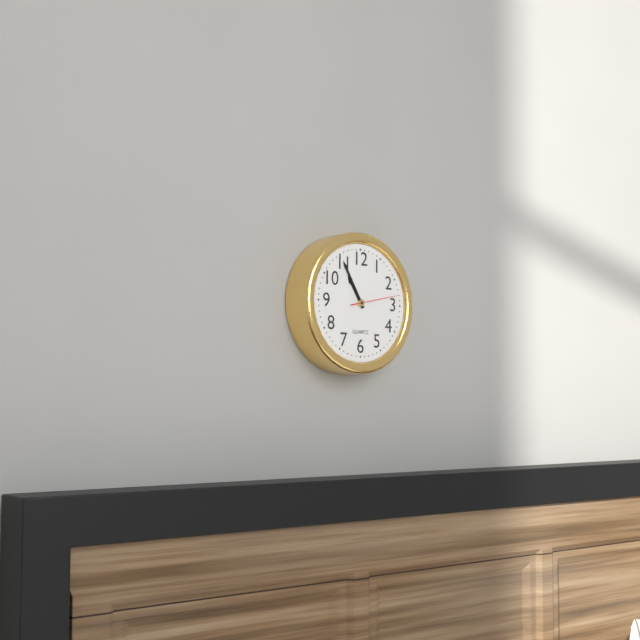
h=10 m=55
